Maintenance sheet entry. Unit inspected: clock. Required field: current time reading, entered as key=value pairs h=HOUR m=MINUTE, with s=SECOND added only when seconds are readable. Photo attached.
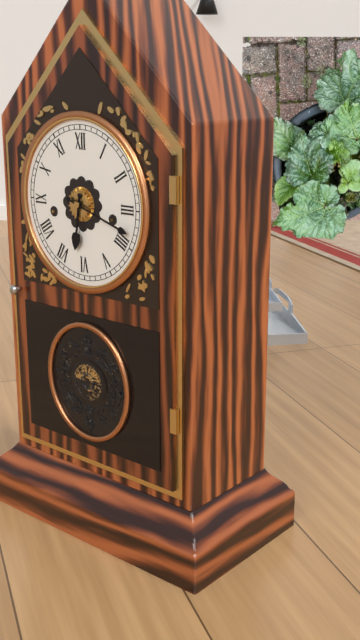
h=6 m=18
